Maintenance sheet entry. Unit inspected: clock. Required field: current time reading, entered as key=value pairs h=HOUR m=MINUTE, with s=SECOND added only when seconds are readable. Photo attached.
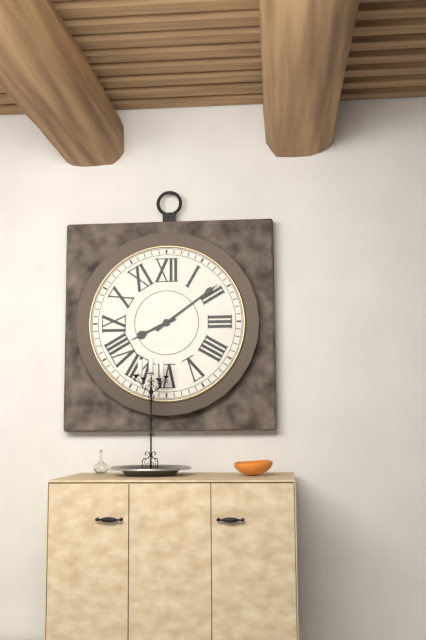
h=8 m=9
